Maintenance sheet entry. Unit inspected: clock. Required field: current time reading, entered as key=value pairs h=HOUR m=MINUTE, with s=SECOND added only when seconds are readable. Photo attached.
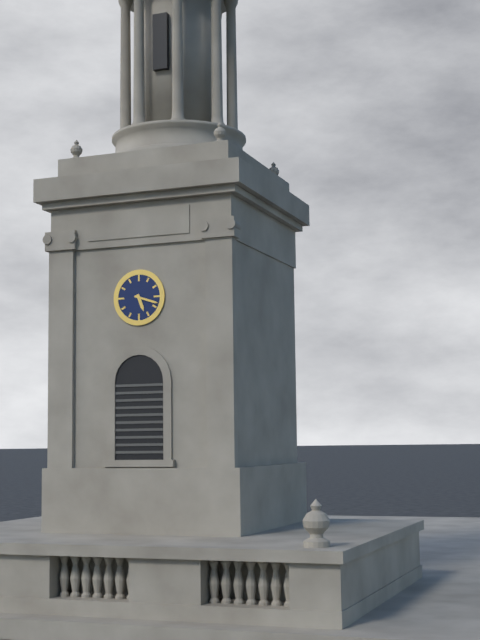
h=5 m=18
